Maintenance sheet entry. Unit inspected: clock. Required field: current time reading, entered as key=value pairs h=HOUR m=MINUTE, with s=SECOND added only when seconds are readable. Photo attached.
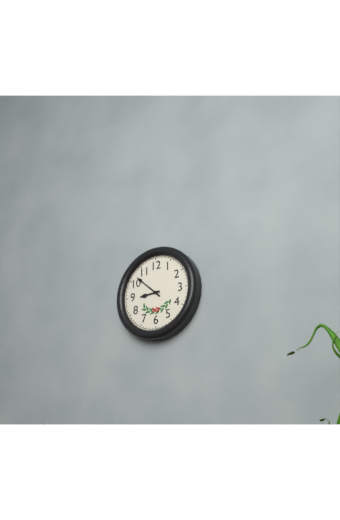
h=8 m=52
